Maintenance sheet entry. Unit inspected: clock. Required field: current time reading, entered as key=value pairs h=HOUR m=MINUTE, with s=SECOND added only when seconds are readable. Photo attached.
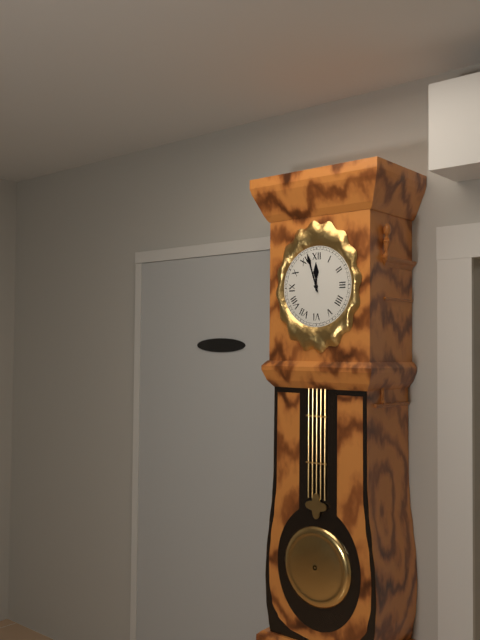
h=11 m=57
